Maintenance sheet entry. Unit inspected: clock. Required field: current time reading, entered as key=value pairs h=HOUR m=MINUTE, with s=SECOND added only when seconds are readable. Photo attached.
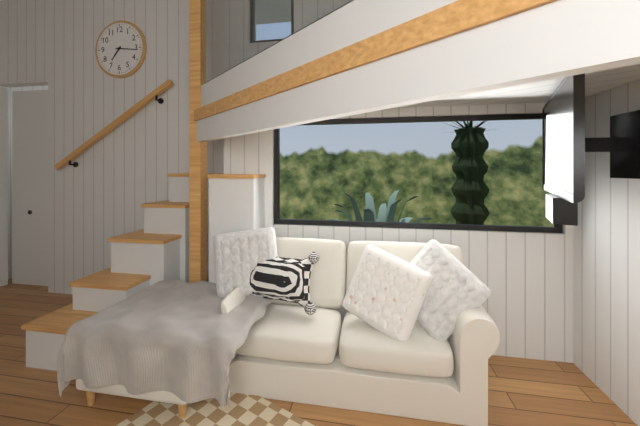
h=7 m=16
